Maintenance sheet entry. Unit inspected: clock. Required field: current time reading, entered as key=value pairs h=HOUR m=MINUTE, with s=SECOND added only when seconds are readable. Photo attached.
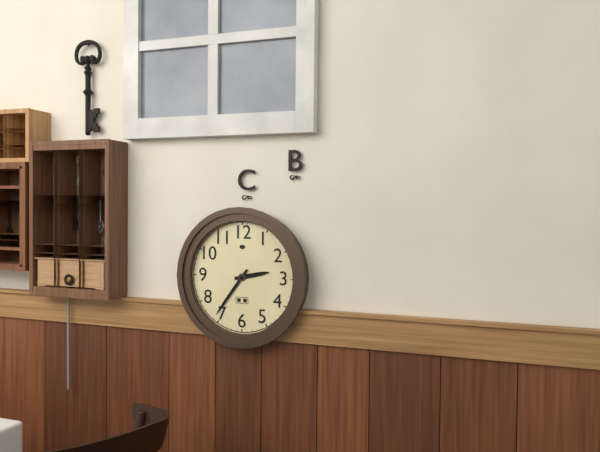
h=2 m=36
